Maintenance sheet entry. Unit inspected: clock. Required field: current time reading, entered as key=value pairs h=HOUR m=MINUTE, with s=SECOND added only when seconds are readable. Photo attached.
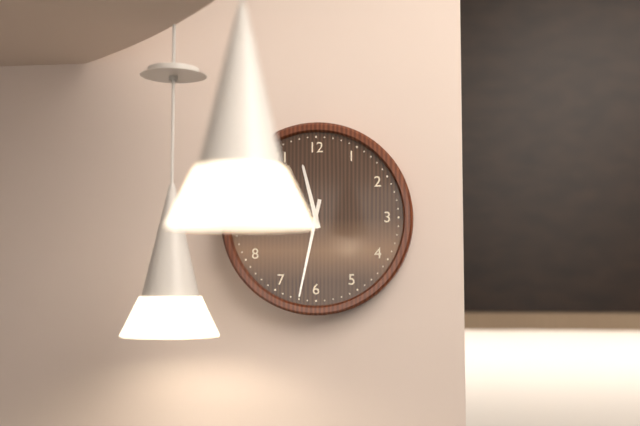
h=11 m=32
